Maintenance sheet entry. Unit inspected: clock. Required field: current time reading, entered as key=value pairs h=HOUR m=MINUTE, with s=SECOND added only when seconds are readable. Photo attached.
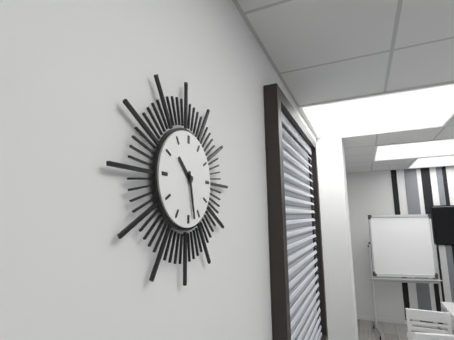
h=10 m=28
